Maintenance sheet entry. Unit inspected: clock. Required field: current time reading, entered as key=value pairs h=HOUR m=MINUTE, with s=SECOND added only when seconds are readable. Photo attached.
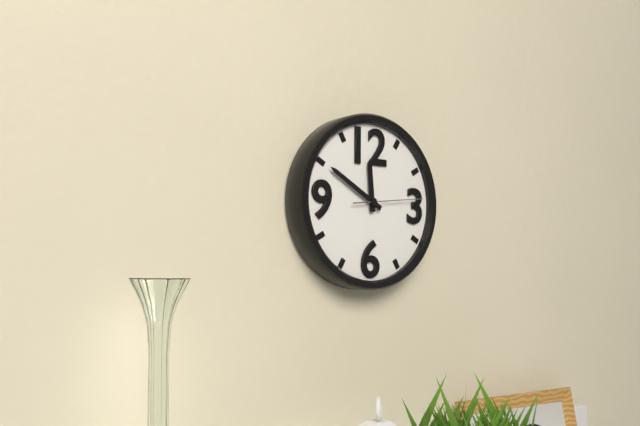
h=11 m=50 s=14
